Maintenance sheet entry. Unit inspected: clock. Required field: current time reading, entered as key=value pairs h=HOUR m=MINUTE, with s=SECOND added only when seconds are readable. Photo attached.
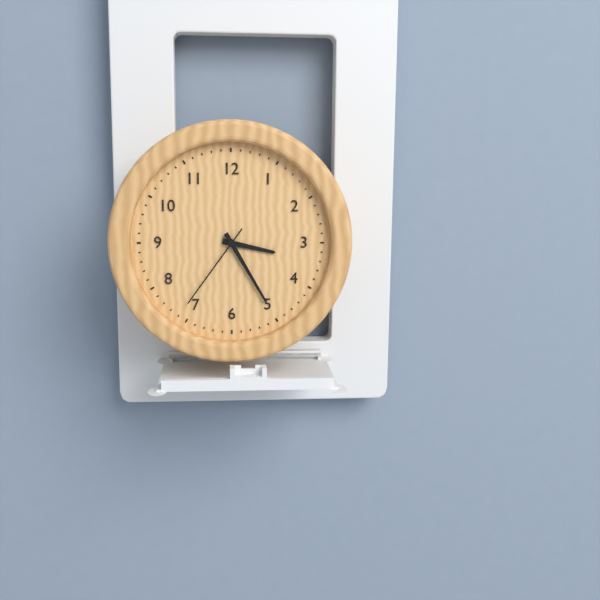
h=3 m=25 s=36
